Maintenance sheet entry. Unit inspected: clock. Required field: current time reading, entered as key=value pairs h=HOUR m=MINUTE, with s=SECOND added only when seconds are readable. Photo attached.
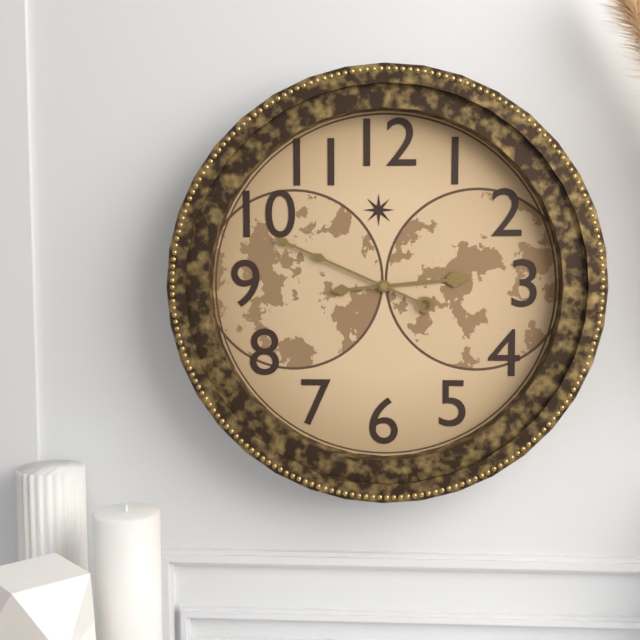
h=2 m=49
